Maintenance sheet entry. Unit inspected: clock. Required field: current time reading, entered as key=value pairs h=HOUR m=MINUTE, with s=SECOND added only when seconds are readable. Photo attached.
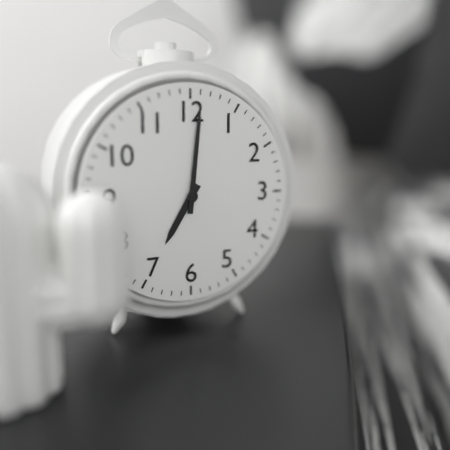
h=7 m=1
